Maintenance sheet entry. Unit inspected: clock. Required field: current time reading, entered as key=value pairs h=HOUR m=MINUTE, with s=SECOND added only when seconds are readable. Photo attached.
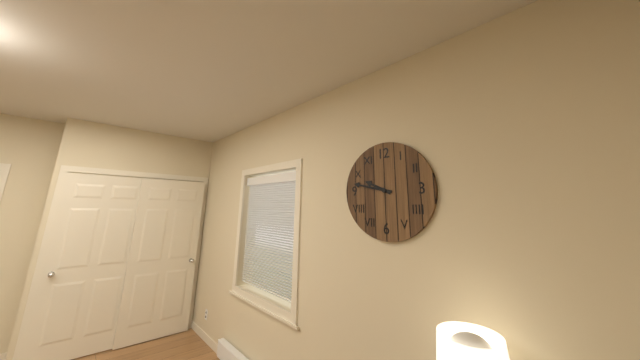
h=9 m=47
